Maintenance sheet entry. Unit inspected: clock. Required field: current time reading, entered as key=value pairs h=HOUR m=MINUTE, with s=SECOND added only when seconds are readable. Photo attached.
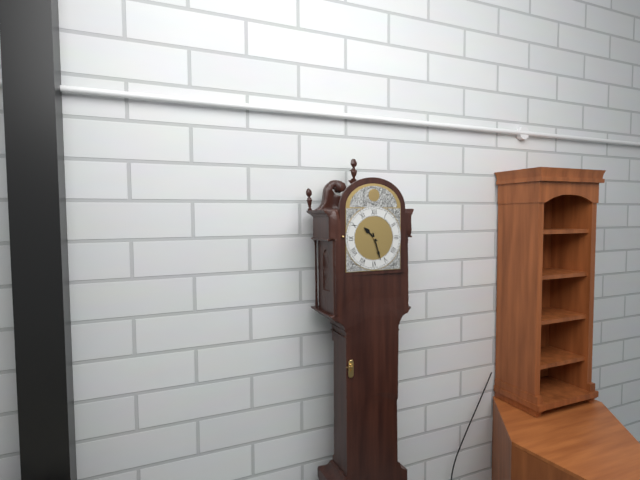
h=10 m=27
